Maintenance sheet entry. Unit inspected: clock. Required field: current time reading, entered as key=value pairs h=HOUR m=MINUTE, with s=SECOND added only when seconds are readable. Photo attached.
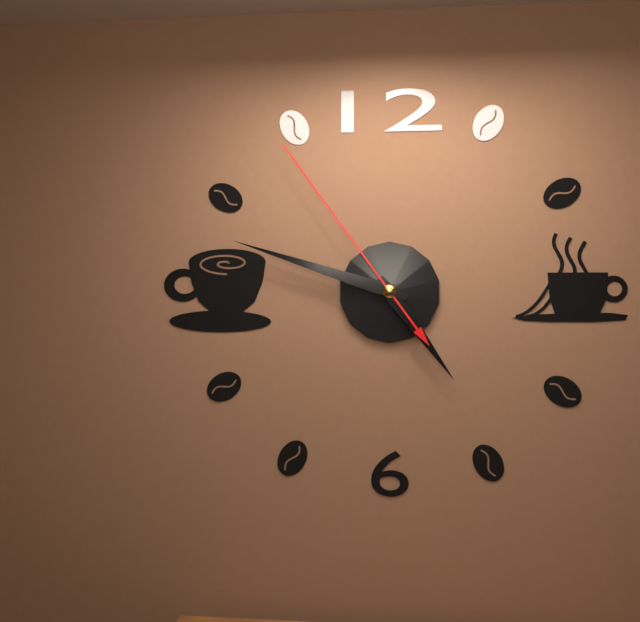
h=4 m=48 s=54
